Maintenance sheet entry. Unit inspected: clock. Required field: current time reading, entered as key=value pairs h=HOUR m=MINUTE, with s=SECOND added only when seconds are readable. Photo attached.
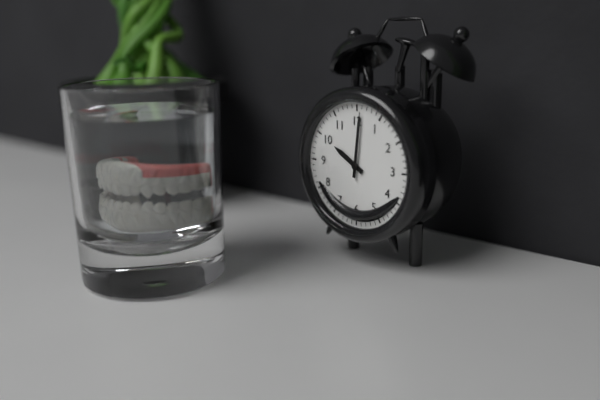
h=10 m=1
